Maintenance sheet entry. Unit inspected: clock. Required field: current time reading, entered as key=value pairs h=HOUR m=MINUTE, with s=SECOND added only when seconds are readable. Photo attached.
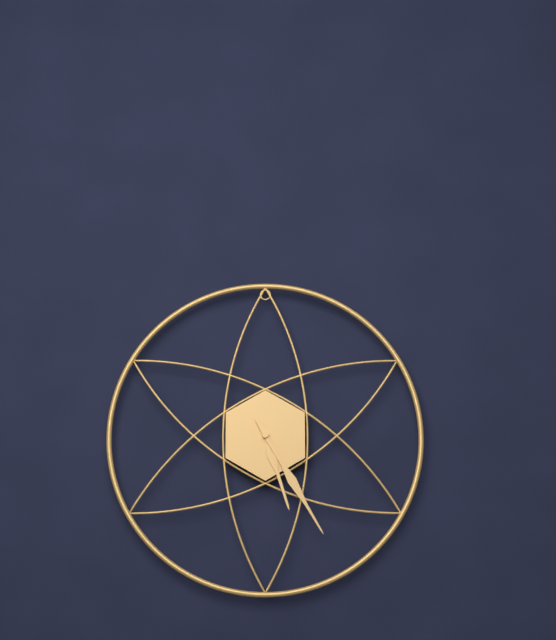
h=5 m=25
